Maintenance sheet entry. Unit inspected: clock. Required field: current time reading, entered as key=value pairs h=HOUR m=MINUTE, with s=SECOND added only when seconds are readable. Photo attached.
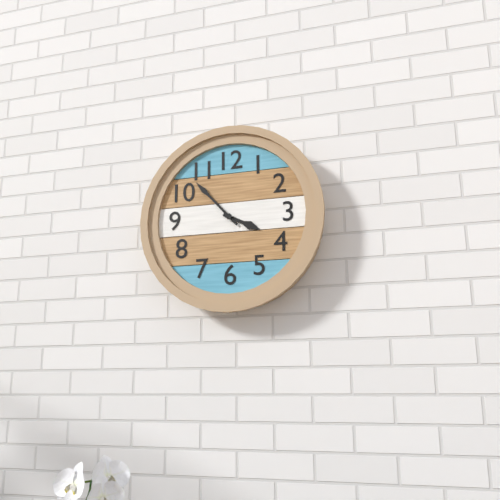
h=3 m=53
